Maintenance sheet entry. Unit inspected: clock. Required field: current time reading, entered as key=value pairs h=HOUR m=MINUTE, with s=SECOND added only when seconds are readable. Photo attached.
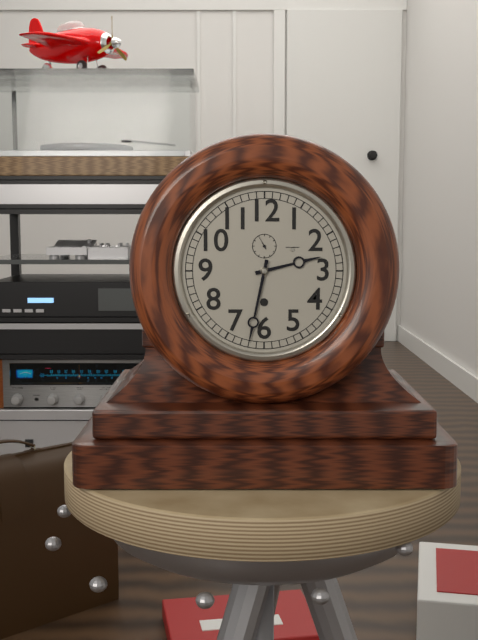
h=2 m=32
